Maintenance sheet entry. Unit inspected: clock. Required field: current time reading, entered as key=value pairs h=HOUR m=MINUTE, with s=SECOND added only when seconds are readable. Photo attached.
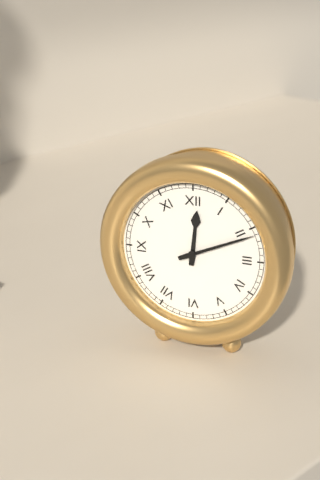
h=12 m=11
